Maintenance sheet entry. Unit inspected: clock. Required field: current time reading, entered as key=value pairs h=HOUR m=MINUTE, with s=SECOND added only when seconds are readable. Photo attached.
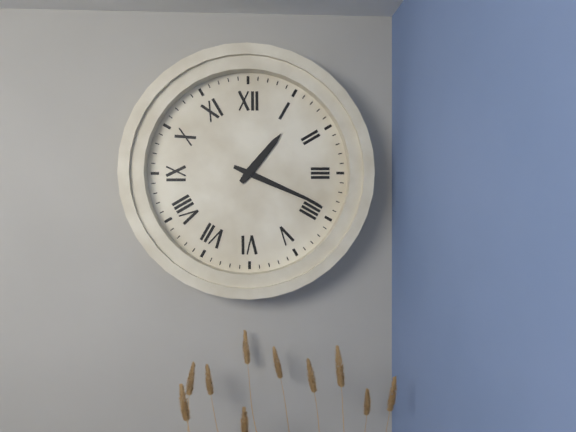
h=1 m=19
